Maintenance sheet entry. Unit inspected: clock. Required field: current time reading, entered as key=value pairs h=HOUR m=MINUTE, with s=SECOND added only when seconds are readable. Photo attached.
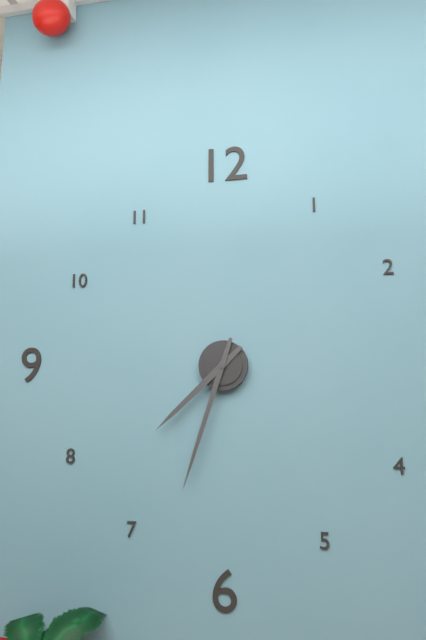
h=7 m=33
